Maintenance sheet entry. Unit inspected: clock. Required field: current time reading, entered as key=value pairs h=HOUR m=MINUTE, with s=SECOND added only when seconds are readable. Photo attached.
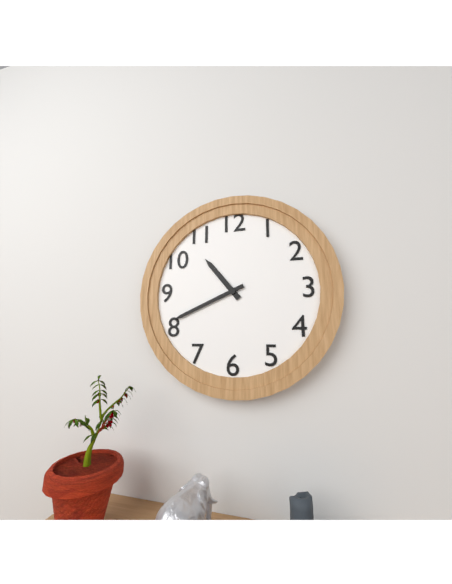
h=10 m=41
